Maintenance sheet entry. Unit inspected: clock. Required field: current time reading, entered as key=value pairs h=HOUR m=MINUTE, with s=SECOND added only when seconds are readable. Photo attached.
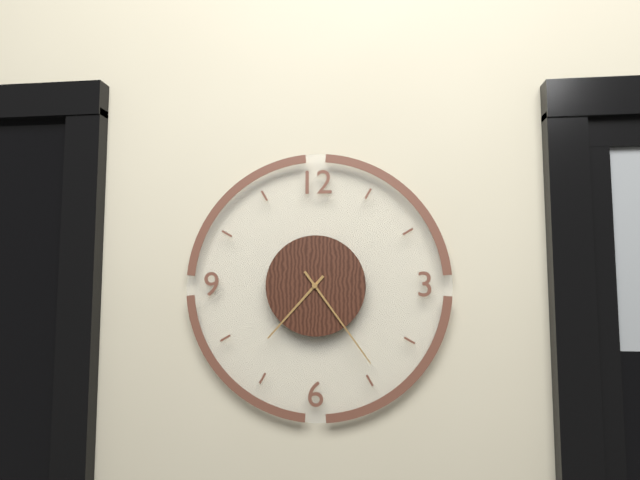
h=7 m=24
